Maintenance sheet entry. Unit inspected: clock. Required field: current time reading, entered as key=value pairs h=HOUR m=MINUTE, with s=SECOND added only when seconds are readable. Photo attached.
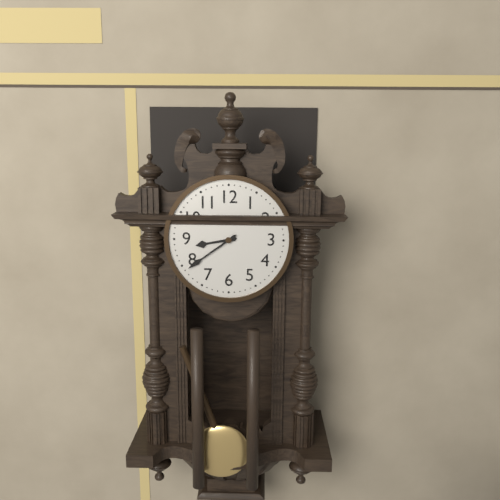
h=8 m=39
